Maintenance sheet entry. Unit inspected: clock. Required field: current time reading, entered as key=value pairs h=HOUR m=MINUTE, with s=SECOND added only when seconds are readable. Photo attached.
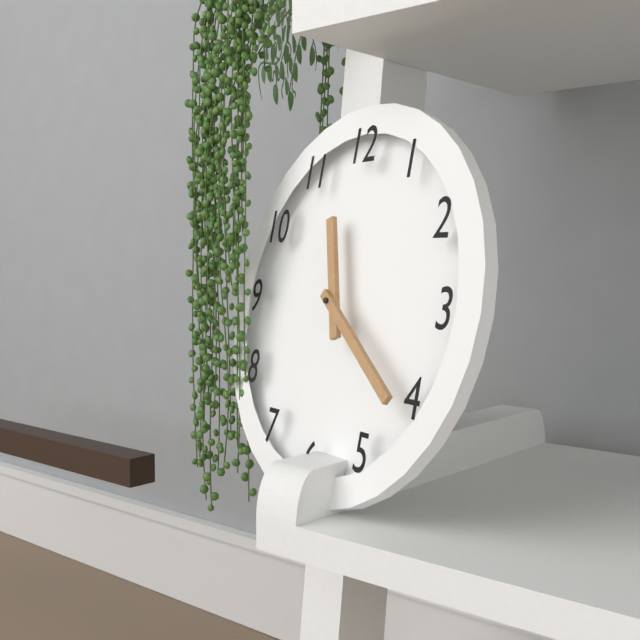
h=11 m=21
